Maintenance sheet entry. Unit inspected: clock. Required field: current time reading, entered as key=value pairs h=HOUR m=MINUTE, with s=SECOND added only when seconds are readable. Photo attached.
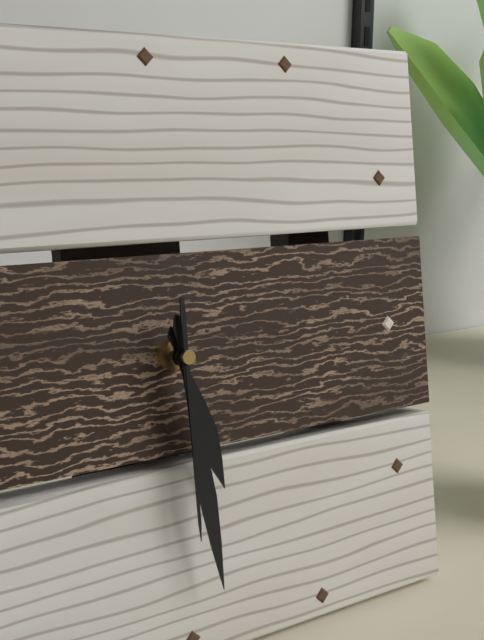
h=5 m=29 s=30
